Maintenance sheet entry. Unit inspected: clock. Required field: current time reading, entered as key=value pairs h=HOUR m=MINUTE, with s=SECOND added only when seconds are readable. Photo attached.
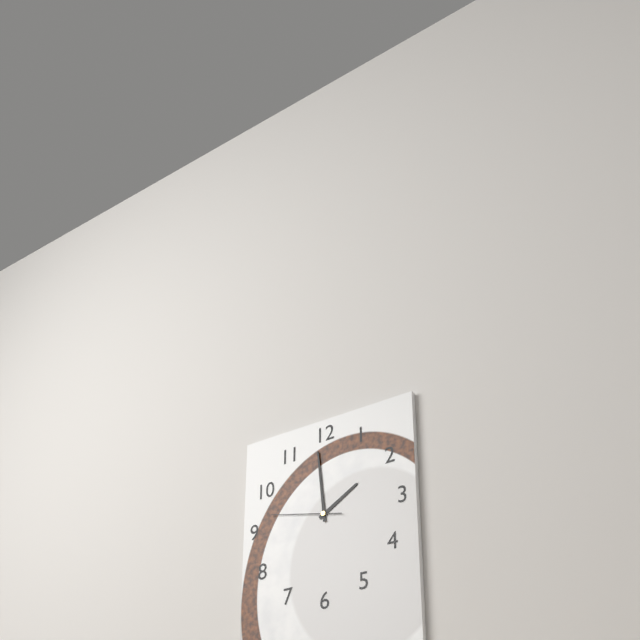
h=1 m=59 s=47
